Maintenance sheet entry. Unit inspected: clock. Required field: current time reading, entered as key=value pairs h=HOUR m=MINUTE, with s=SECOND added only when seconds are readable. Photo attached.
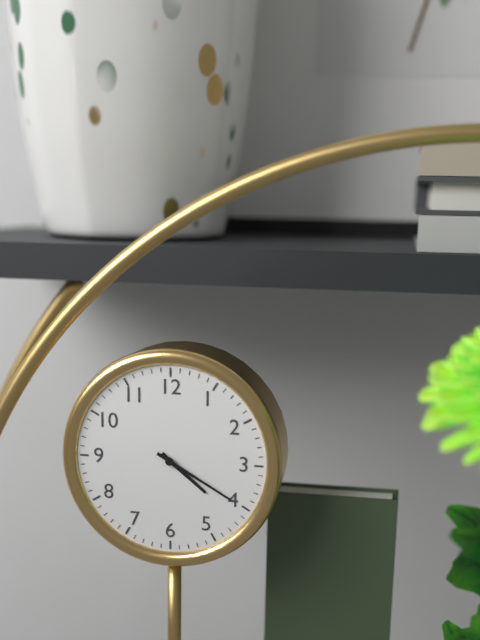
h=4 m=20
